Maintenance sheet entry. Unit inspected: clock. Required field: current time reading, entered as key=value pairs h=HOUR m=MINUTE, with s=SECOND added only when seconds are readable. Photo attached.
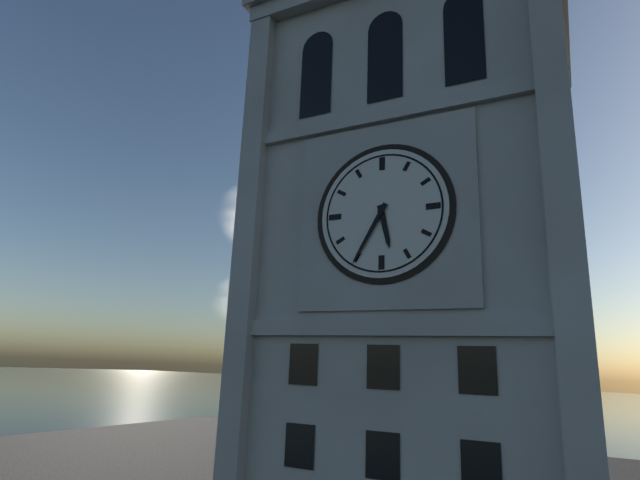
h=5 m=35
